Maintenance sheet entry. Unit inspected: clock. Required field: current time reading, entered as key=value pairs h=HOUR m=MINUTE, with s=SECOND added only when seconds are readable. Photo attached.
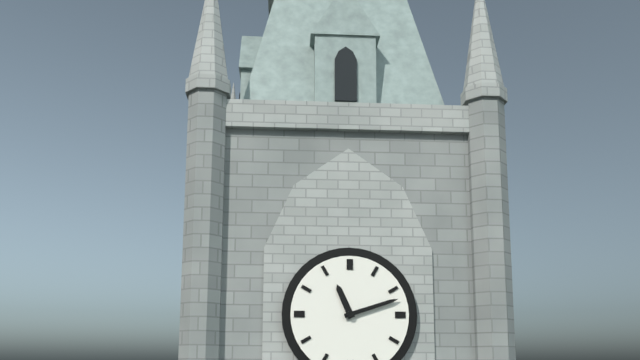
h=11 m=12
